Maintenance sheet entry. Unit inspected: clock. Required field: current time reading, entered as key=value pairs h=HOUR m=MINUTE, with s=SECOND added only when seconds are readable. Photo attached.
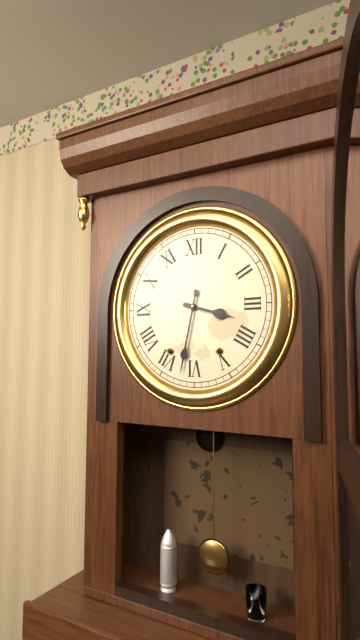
h=3 m=32
